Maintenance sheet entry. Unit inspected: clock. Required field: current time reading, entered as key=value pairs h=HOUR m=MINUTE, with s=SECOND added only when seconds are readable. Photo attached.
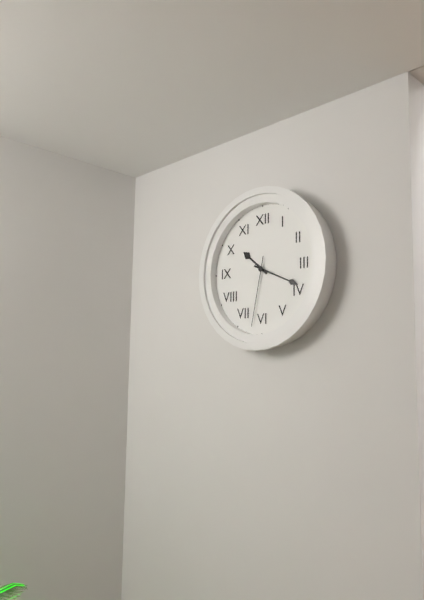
h=10 m=19 s=32
